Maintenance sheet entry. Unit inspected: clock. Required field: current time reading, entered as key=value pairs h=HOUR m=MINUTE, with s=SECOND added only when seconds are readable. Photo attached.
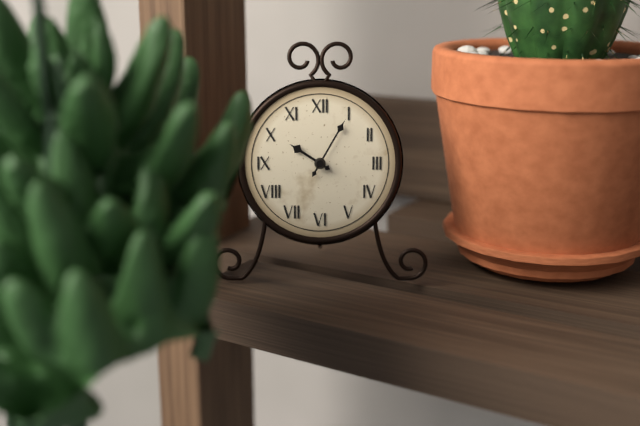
h=10 m=5
